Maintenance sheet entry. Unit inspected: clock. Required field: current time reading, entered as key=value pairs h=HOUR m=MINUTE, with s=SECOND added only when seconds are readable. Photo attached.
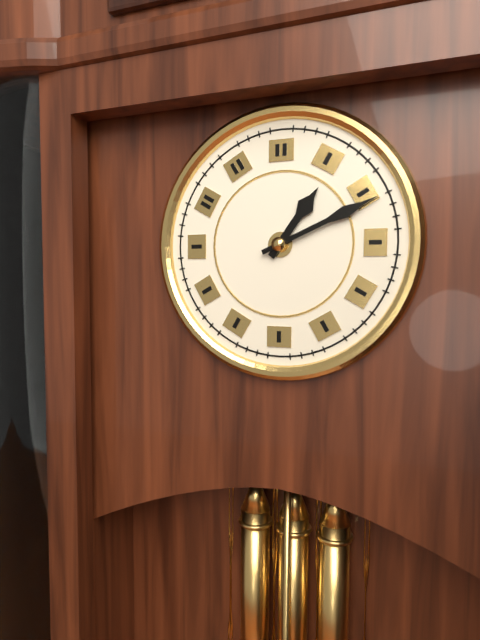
h=1 m=11
